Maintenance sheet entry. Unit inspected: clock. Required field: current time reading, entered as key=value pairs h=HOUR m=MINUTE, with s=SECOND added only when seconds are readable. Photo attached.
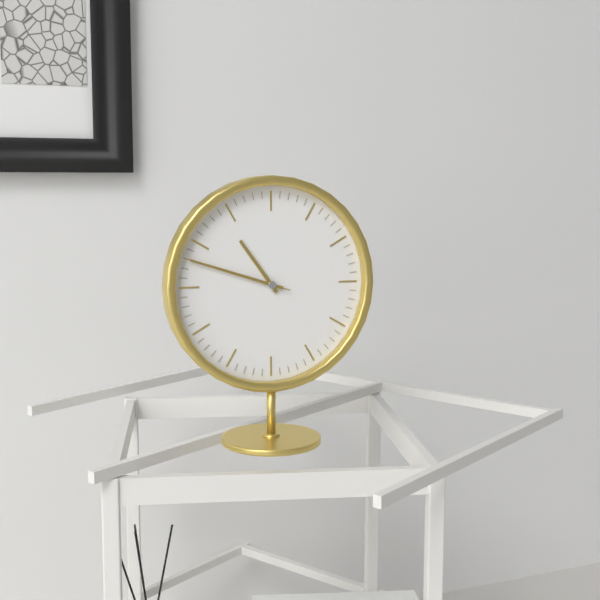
h=10 m=48 s=48
